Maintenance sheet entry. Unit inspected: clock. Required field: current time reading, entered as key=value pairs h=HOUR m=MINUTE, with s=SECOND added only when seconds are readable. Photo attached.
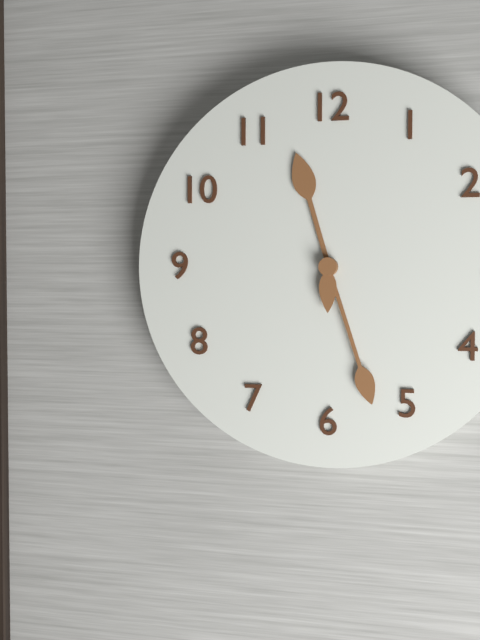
h=11 m=27 s=30
